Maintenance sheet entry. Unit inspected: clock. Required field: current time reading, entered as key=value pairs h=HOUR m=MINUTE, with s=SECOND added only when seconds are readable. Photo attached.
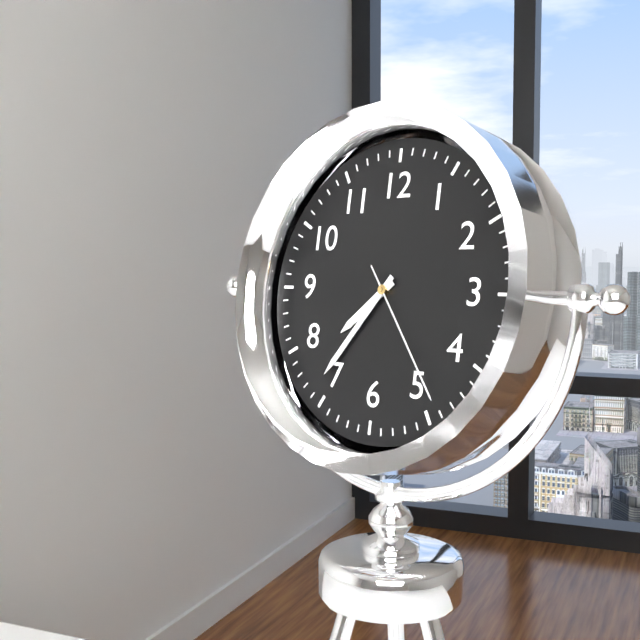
h=7 m=36 s=24
